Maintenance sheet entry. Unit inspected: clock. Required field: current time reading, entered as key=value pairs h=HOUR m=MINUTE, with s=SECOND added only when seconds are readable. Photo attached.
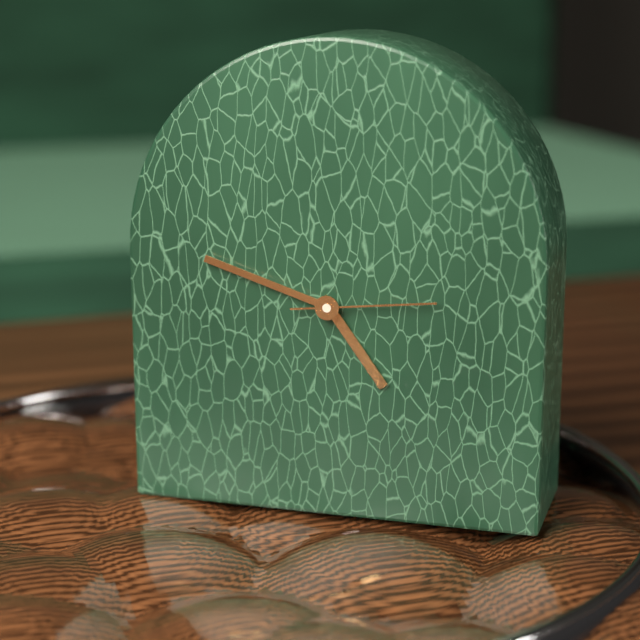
h=4 m=48 s=14
